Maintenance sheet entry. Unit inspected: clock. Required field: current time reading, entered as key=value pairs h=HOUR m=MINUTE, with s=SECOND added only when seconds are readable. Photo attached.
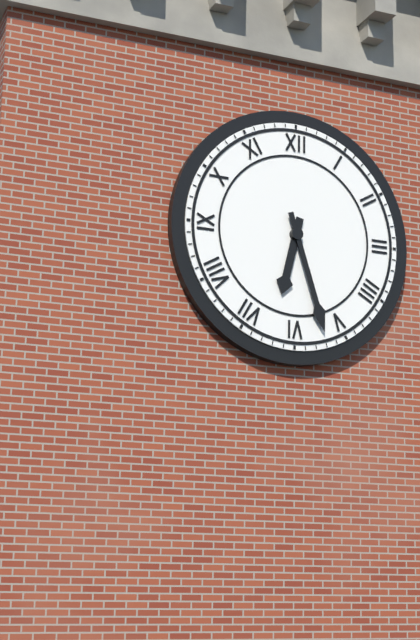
h=6 m=27
